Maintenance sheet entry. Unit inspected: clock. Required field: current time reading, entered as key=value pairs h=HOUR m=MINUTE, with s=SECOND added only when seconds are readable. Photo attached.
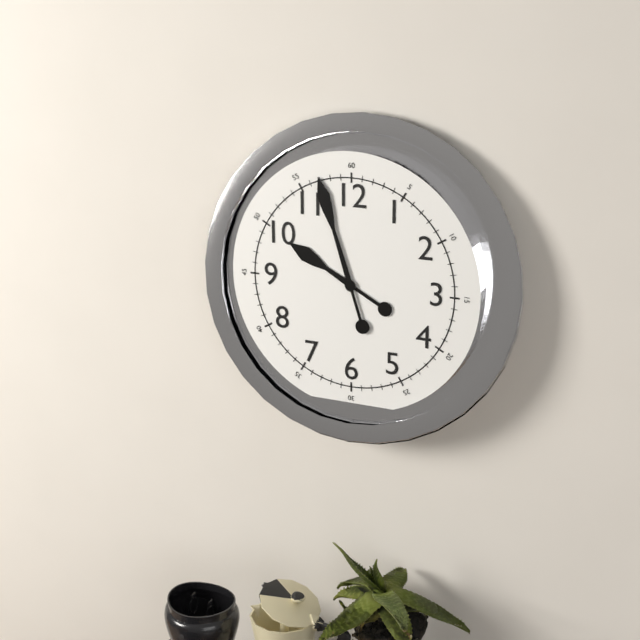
h=9 m=57
